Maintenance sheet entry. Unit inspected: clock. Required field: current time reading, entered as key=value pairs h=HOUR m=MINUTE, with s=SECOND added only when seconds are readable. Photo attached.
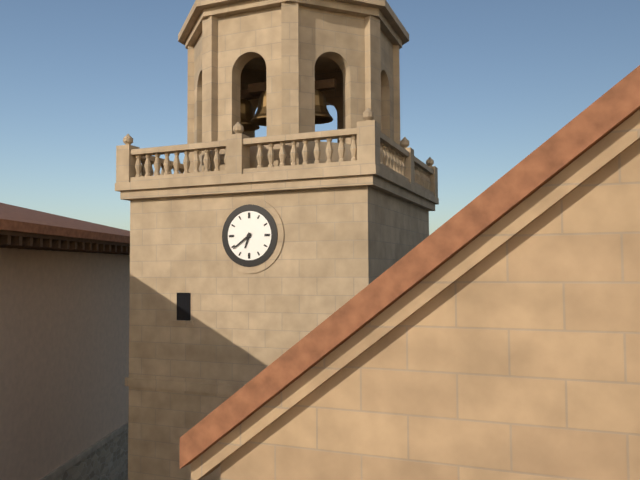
h=6 m=39
